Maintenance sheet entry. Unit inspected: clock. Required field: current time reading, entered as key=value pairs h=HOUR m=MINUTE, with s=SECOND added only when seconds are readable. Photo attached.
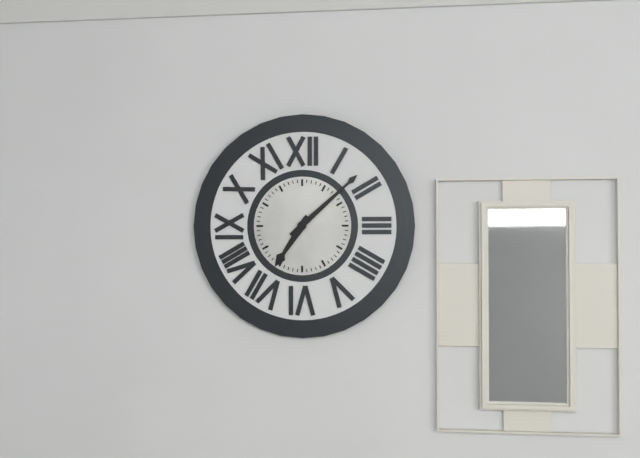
h=7 m=8
